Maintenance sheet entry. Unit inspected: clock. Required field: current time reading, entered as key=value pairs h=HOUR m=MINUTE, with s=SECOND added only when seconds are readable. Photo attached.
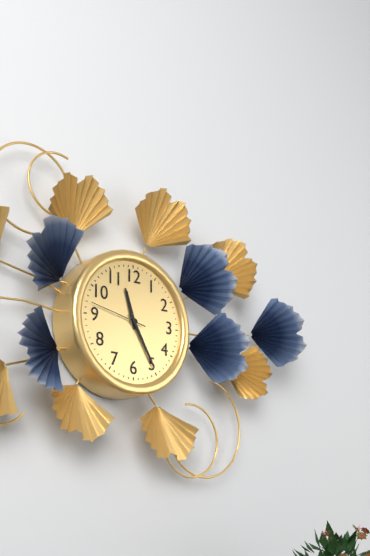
h=11 m=25 s=47
